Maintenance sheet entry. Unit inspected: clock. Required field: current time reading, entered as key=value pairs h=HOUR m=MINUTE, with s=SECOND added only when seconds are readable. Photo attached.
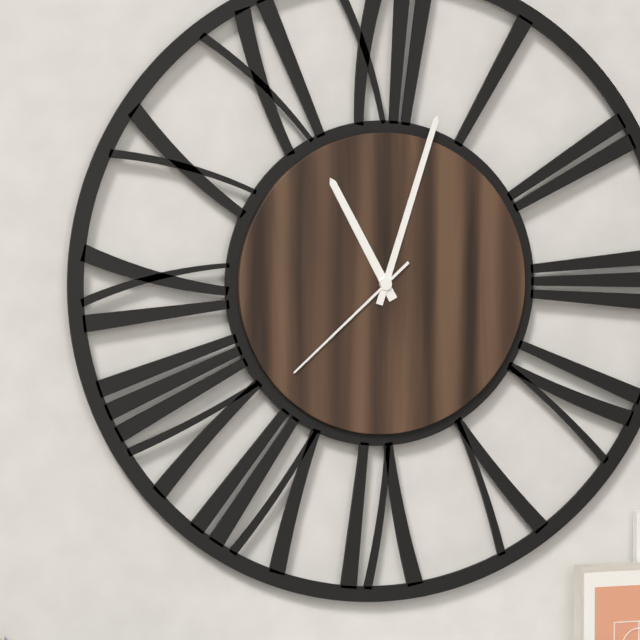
h=11 m=3 s=38
